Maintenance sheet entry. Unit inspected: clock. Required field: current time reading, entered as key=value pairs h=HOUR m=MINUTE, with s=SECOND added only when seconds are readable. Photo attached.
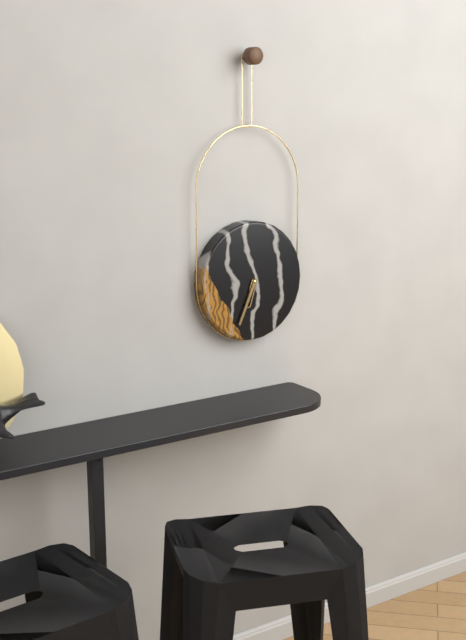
h=6 m=34
